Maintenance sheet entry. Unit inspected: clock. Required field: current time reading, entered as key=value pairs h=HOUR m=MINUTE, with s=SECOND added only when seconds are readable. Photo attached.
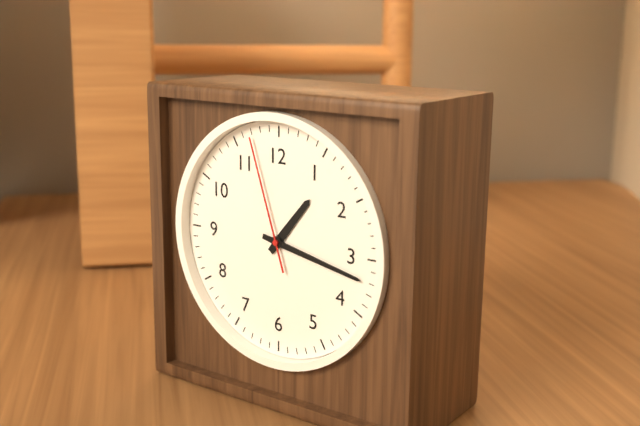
h=1 m=17 s=57
